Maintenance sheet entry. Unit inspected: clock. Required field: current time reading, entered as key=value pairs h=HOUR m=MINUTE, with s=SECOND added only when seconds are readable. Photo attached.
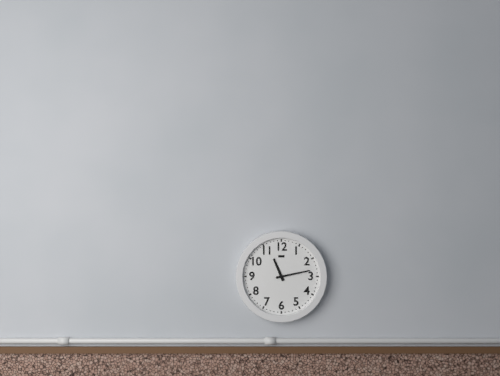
h=11 m=13
